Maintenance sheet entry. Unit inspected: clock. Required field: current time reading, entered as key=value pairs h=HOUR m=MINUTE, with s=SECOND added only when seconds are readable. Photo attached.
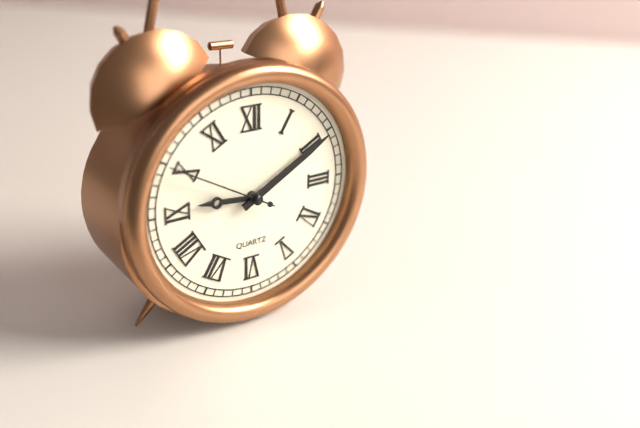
h=9 m=10 s=50
